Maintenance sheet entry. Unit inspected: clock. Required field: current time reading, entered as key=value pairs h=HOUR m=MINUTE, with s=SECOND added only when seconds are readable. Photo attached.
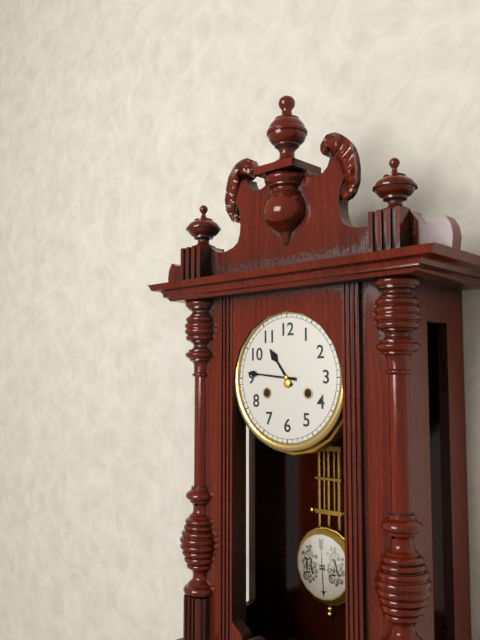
h=10 m=46
